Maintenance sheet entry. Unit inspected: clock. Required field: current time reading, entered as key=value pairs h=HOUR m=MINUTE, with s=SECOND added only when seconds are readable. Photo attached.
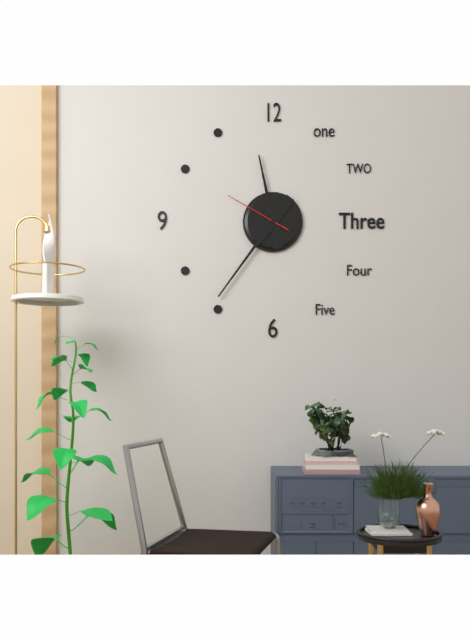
h=11 m=36 s=50
